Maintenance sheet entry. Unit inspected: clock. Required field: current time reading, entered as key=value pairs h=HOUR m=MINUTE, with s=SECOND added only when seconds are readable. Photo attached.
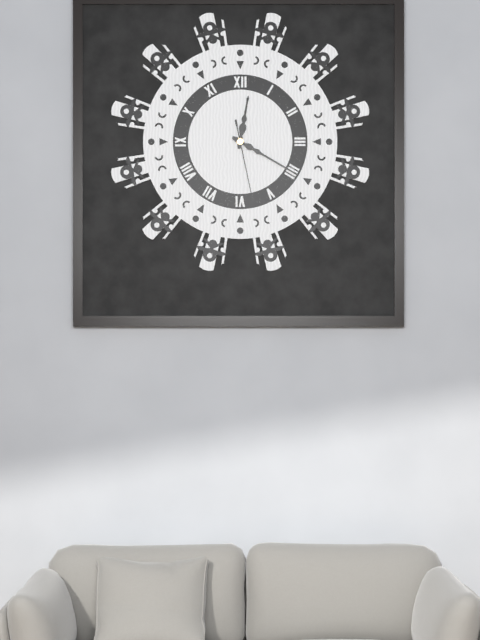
h=12 m=20 s=28
